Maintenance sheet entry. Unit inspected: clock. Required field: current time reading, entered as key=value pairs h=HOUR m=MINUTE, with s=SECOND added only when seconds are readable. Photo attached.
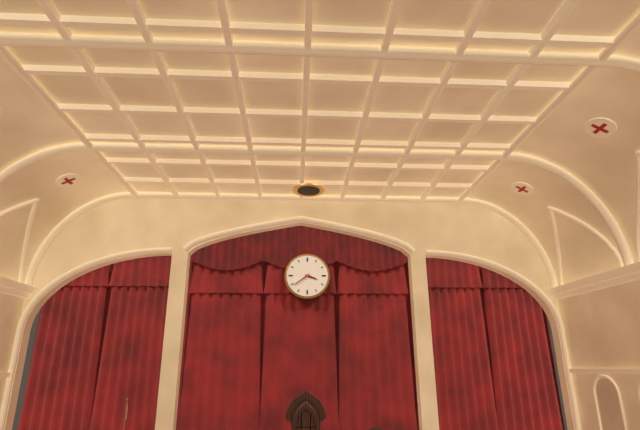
h=3 m=39
